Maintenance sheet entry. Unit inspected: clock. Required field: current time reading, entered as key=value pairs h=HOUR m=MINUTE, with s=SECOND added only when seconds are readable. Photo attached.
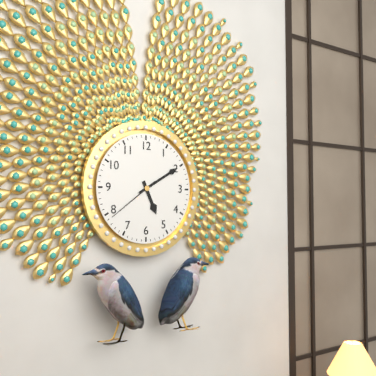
h=5 m=10 s=39
